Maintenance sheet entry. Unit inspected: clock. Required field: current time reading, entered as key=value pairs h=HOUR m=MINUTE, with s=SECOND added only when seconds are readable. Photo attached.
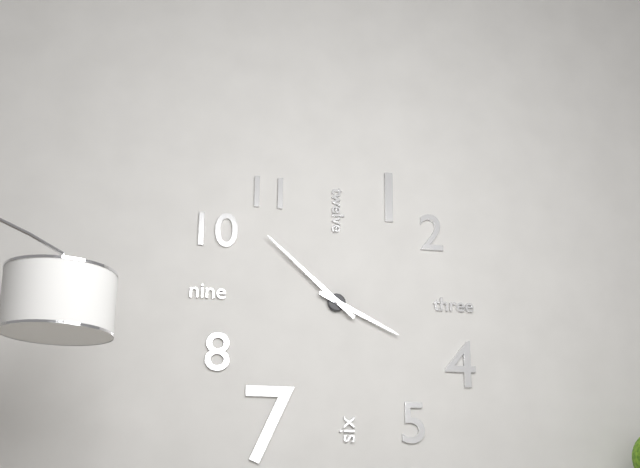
h=3 m=52
